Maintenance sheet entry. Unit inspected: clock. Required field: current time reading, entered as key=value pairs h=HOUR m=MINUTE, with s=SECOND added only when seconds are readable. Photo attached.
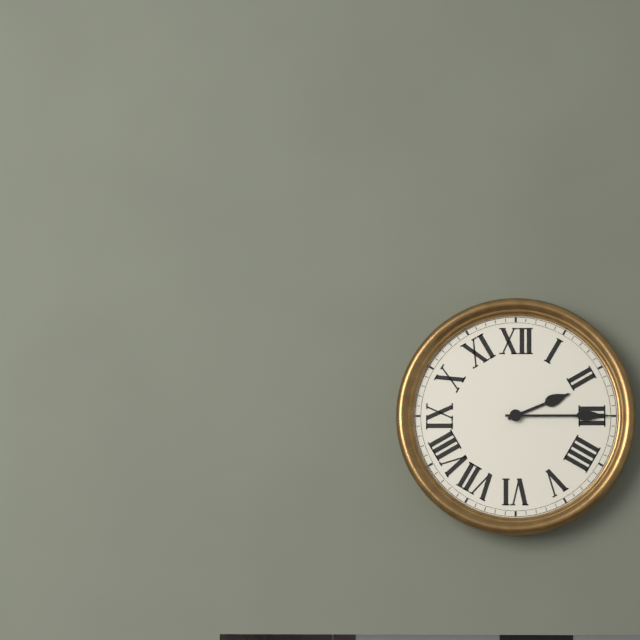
h=2 m=15
